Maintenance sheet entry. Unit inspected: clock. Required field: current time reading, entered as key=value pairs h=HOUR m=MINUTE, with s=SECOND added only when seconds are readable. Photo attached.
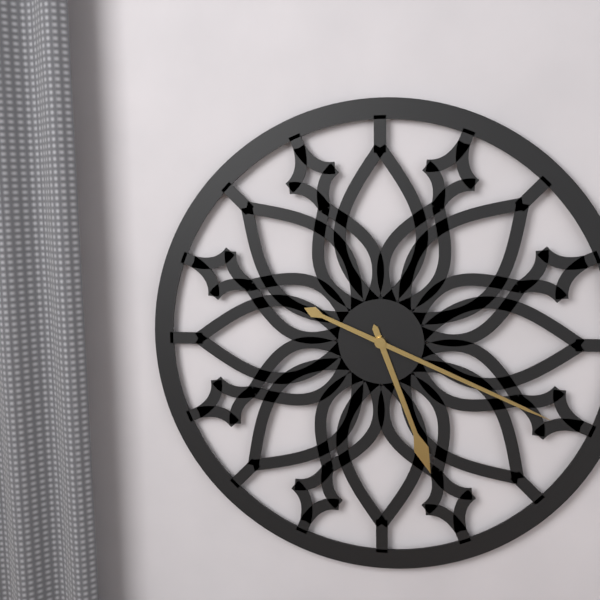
h=5 m=19
